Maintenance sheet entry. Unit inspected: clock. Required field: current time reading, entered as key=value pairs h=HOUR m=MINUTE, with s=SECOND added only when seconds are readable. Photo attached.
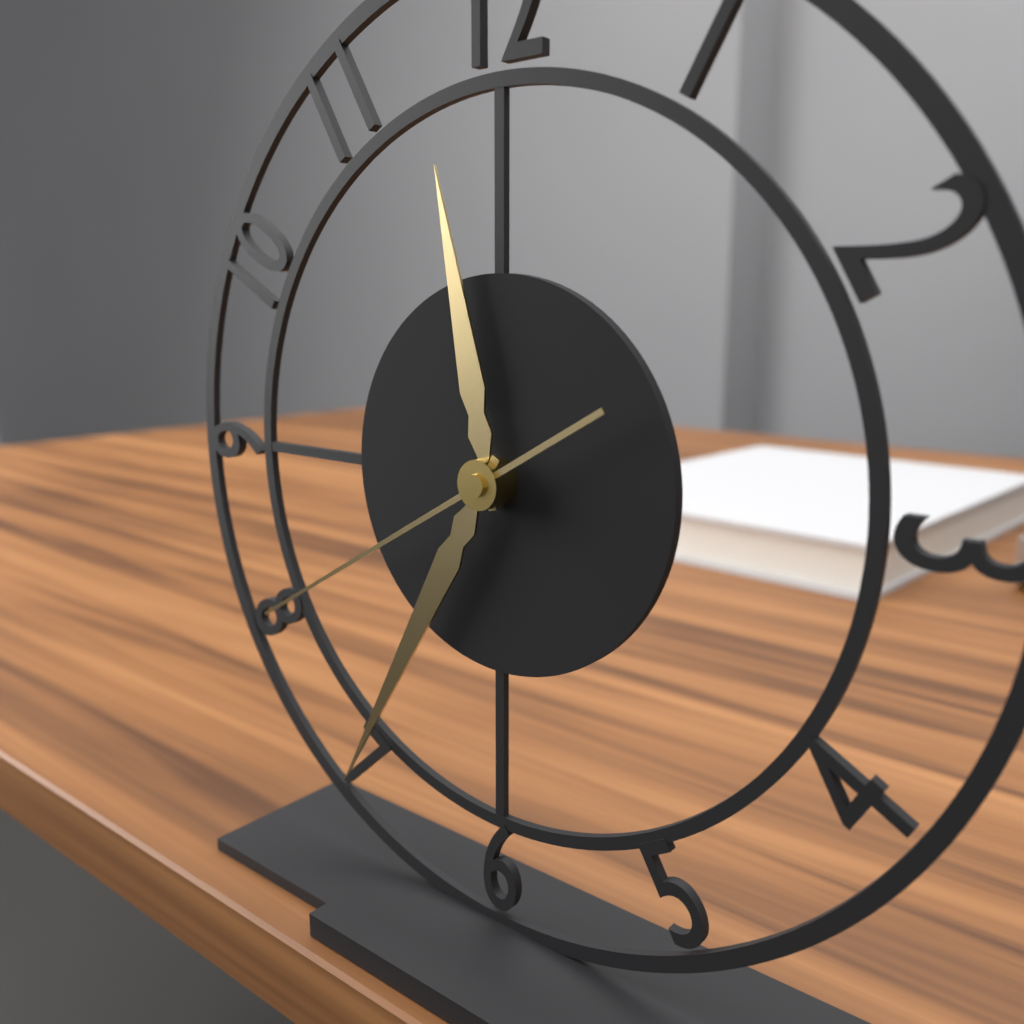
h=11 m=35 s=40
